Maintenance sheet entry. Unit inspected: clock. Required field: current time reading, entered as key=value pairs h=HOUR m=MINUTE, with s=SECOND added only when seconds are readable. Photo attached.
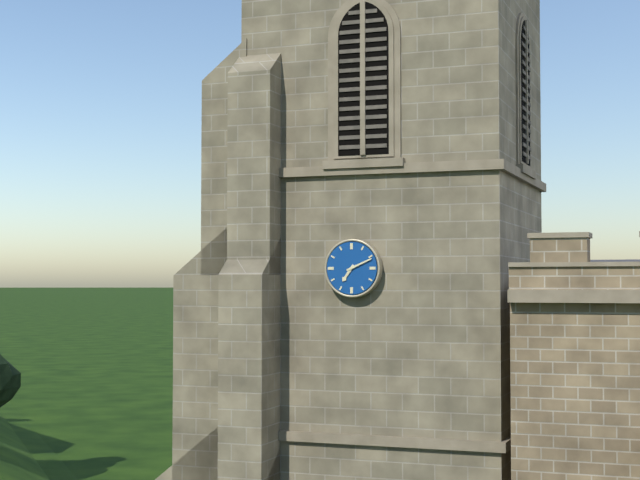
h=7 m=11
